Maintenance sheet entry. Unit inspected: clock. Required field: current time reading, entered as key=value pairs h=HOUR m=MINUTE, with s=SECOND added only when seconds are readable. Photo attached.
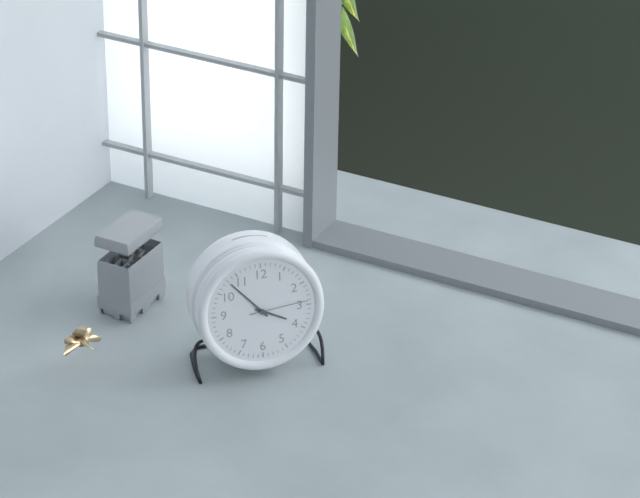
h=3 m=53 s=14
